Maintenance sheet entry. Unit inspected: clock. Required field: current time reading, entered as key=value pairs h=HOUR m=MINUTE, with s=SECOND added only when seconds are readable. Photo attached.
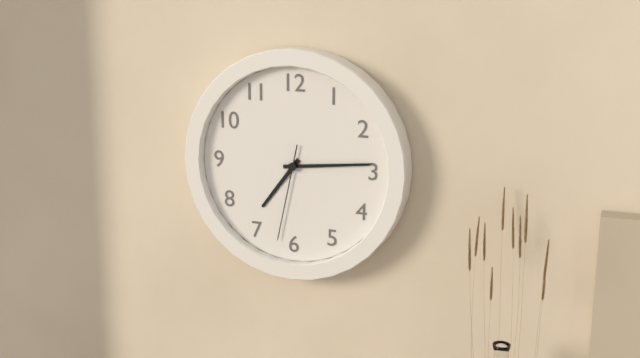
h=7 m=14 s=32
